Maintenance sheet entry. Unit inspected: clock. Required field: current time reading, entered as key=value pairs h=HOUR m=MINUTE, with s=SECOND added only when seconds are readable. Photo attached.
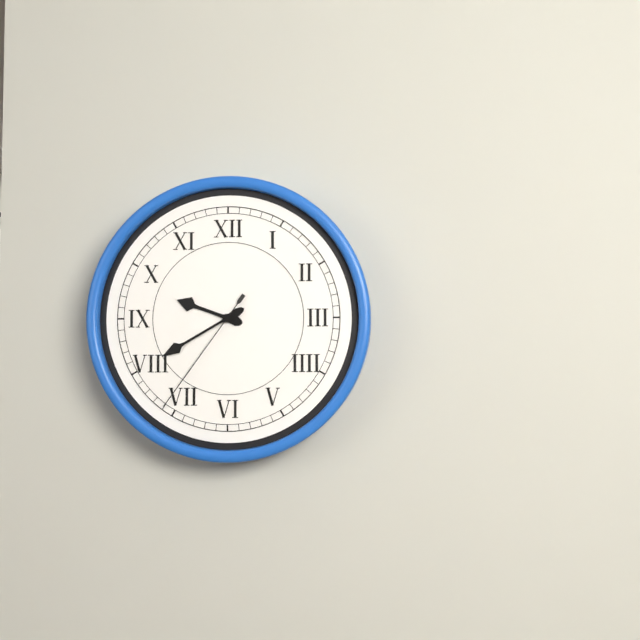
h=9 m=40 s=36
